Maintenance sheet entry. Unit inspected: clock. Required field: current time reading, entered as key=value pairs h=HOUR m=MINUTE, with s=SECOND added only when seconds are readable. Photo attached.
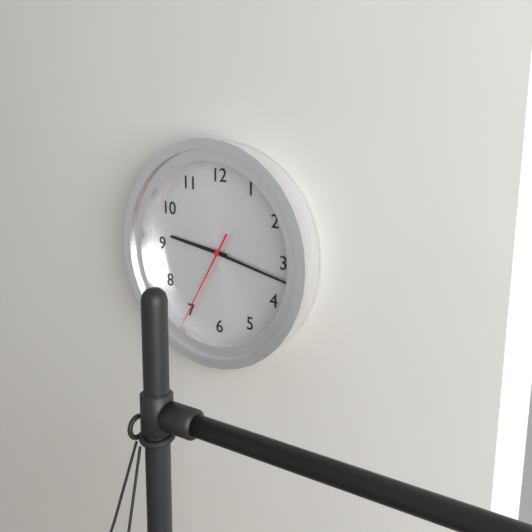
h=9 m=17 s=35
